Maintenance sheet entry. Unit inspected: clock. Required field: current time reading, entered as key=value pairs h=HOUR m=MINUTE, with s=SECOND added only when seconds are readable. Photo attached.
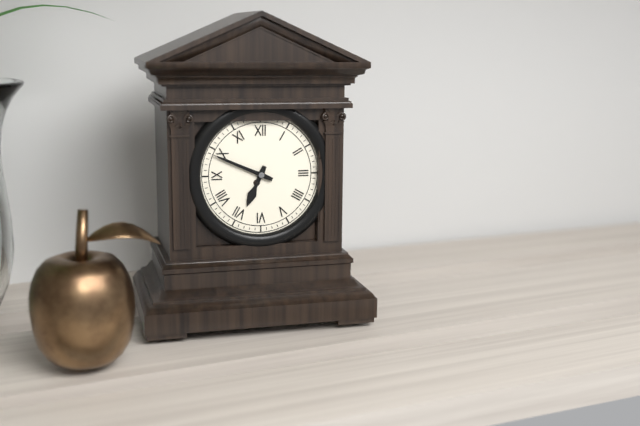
h=6 m=49
